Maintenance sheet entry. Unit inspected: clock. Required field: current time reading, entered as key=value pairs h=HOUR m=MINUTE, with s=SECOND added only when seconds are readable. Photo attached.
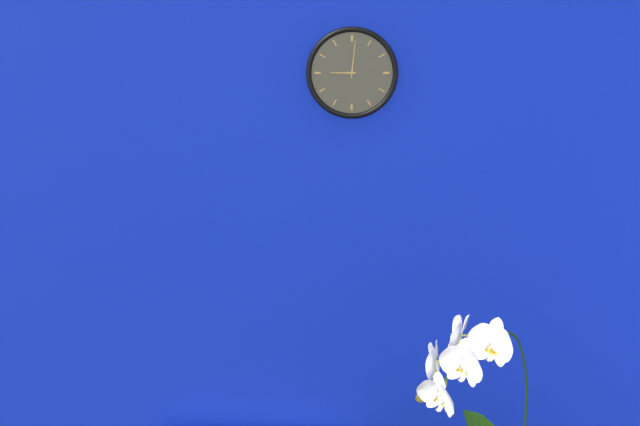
h=9 m=1
